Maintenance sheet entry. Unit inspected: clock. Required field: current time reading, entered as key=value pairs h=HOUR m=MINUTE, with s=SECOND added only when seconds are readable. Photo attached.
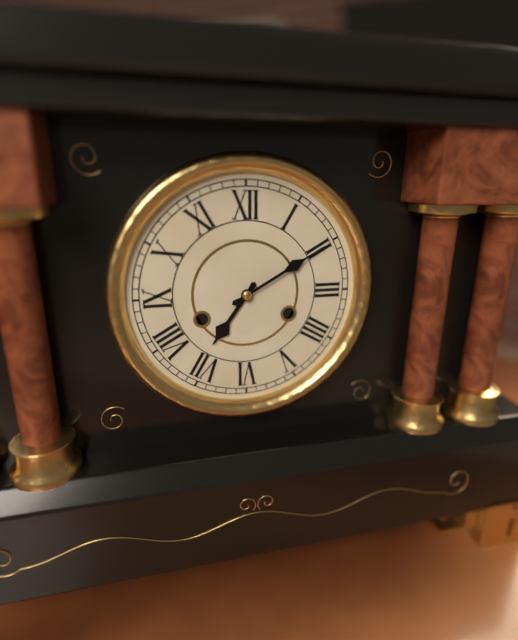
h=7 m=10
